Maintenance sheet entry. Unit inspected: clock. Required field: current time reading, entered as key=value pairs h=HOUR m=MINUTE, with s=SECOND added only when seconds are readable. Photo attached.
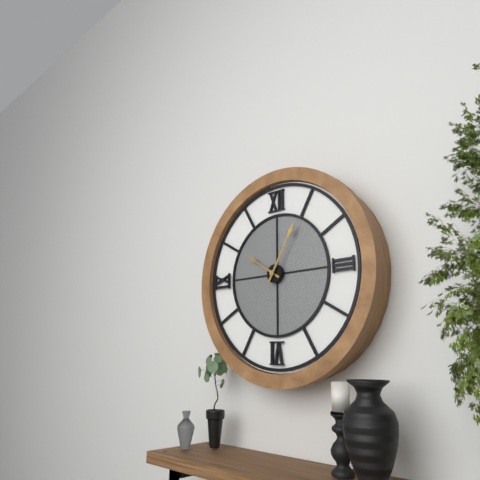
h=10 m=5
